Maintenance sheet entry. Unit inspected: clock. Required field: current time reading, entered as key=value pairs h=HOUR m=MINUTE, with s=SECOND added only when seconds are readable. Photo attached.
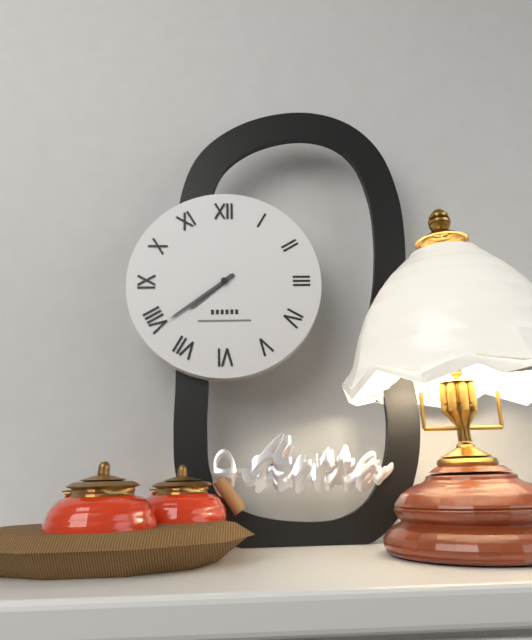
h=7 m=39
